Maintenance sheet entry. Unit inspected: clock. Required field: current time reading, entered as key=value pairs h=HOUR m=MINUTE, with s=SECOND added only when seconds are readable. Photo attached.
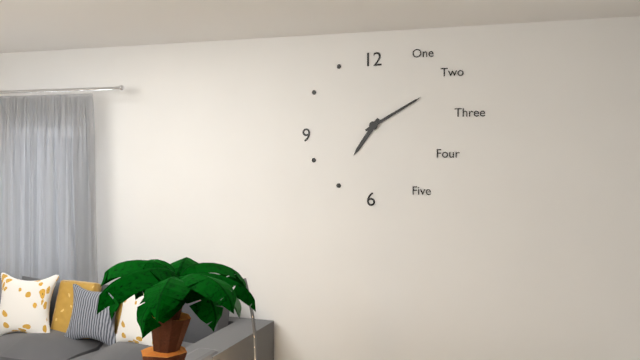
h=7 m=10
